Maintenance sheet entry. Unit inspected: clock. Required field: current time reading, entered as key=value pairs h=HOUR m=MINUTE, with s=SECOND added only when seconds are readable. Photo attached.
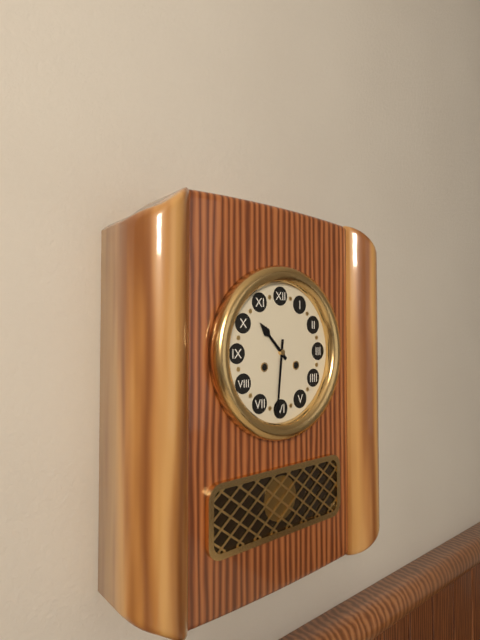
h=10 m=31
